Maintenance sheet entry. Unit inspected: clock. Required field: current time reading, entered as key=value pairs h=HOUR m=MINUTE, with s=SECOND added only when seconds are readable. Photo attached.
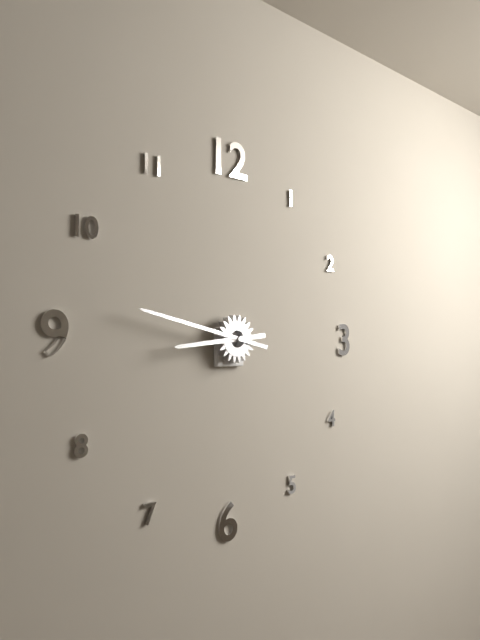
h=8 m=47
